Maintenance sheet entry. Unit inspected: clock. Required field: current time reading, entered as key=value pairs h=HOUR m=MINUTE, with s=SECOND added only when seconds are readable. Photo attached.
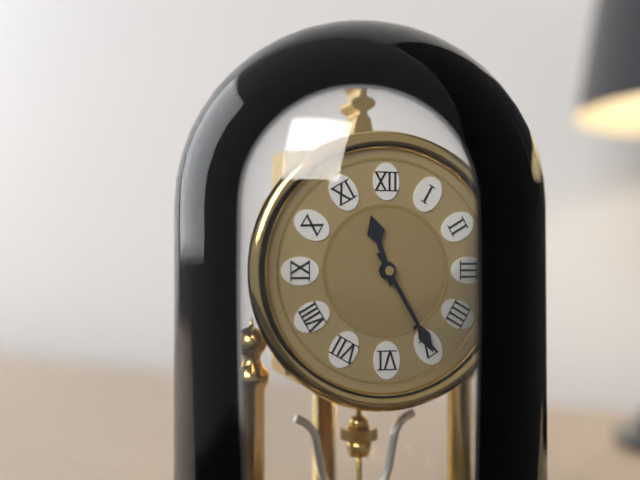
h=11 m=25
